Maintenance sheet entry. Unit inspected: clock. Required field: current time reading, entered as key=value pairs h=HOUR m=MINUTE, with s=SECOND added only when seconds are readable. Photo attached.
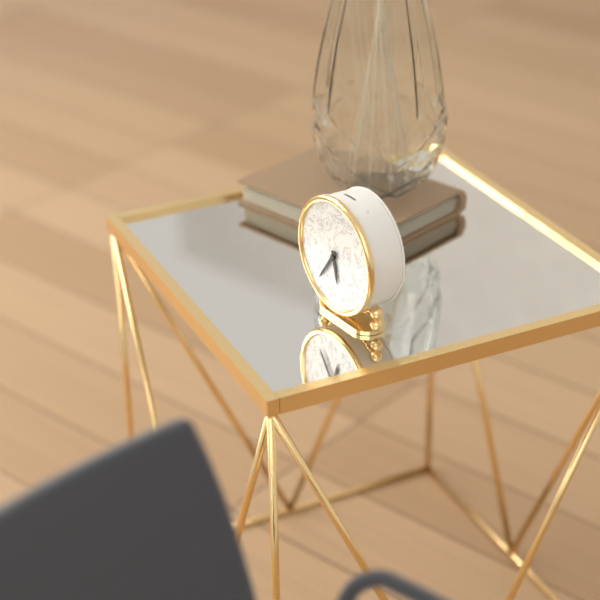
h=5 m=36
